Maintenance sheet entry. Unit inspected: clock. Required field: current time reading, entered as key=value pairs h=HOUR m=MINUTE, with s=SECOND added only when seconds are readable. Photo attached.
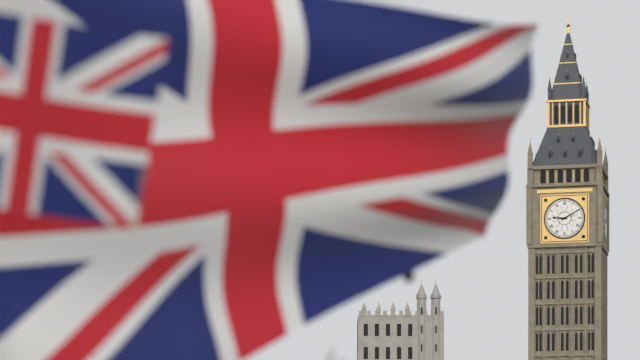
h=9 m=10
